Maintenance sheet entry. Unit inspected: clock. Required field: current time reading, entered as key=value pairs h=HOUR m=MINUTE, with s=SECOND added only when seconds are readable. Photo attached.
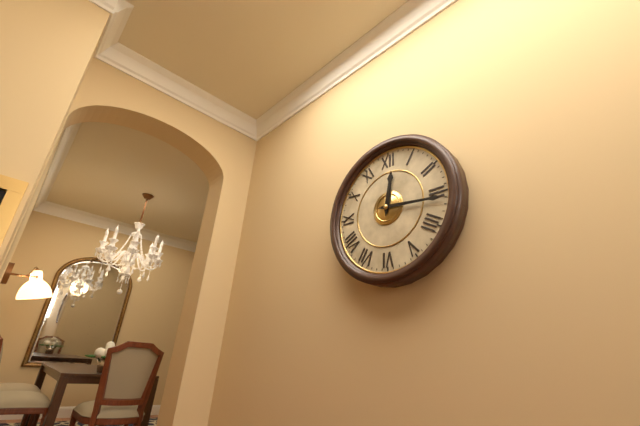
h=12 m=16
